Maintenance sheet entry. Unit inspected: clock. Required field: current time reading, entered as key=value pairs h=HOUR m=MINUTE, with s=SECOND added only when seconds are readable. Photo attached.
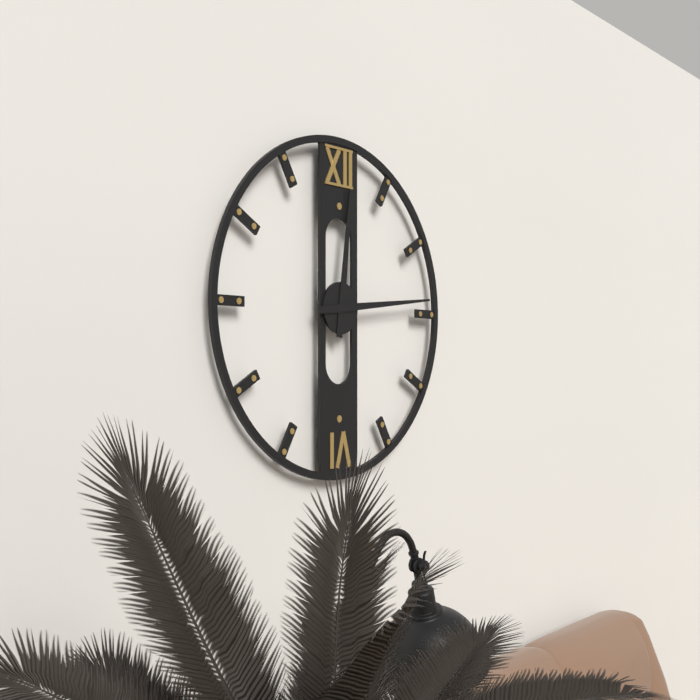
h=12 m=14
